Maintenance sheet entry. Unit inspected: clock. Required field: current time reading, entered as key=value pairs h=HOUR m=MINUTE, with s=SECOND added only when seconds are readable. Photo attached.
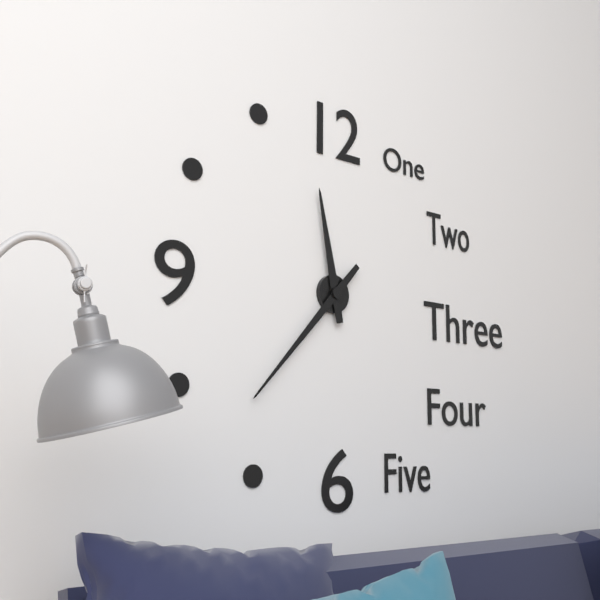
h=11 m=37
